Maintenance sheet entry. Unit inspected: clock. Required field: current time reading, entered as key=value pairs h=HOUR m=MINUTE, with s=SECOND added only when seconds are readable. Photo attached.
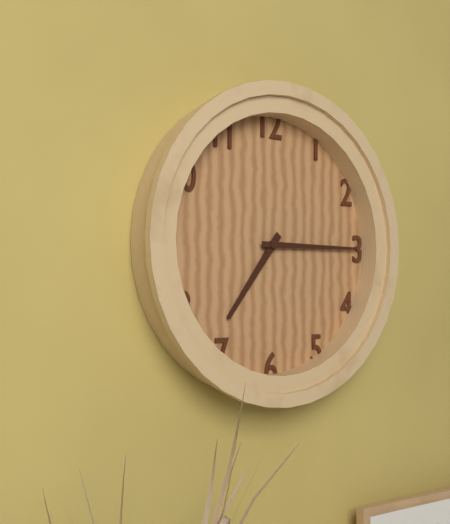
h=7 m=15
